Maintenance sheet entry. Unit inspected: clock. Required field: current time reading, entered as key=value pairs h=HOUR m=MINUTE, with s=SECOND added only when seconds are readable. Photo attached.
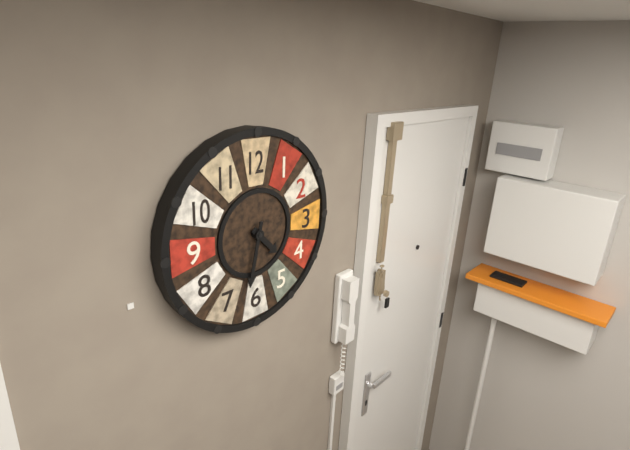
h=4 m=32
